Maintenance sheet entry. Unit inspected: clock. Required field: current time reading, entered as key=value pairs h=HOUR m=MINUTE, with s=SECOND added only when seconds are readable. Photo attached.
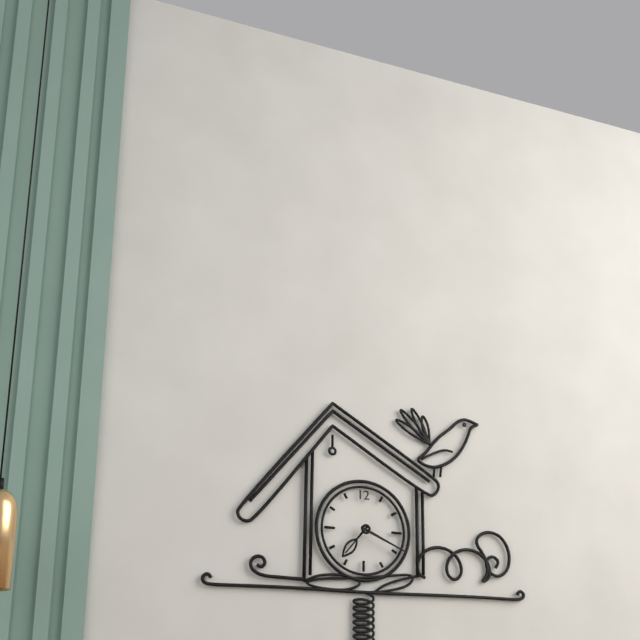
h=7 m=19
